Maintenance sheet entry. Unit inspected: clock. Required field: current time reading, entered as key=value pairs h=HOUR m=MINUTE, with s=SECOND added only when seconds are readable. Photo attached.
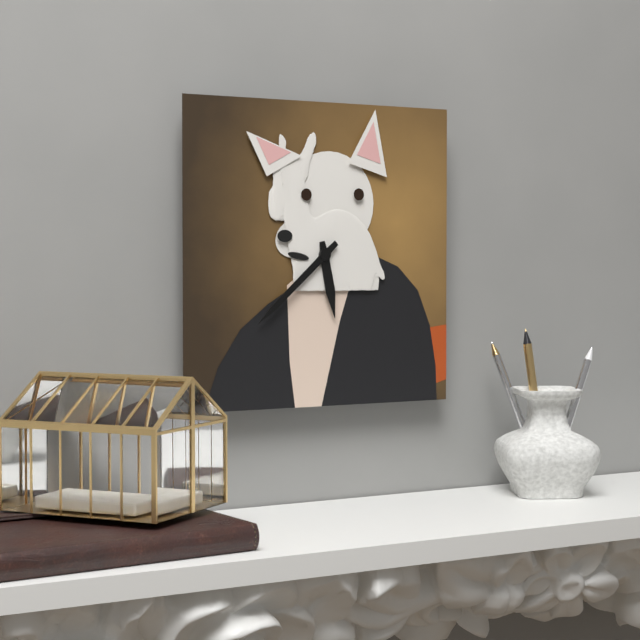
h=5 m=38
